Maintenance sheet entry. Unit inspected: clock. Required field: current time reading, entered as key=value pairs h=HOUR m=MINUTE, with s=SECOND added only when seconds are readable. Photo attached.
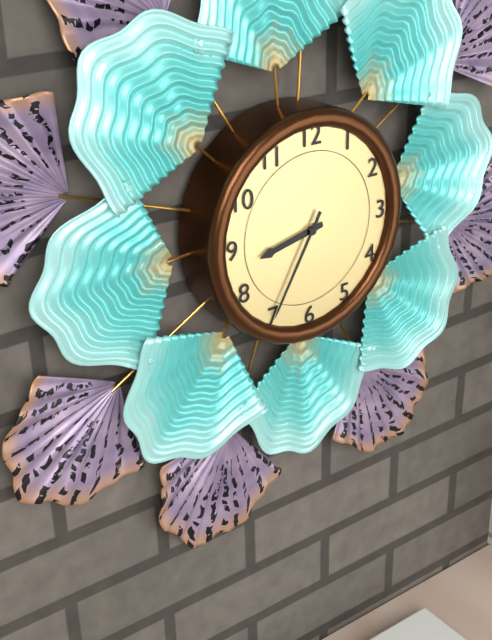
h=8 m=35
